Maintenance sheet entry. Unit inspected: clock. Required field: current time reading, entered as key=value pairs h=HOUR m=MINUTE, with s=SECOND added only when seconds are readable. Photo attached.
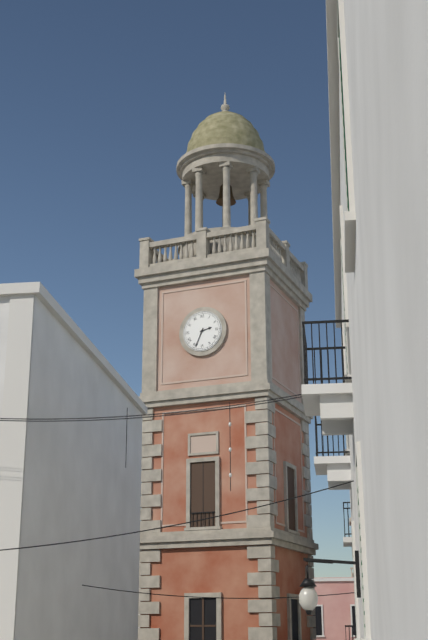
h=2 m=34
